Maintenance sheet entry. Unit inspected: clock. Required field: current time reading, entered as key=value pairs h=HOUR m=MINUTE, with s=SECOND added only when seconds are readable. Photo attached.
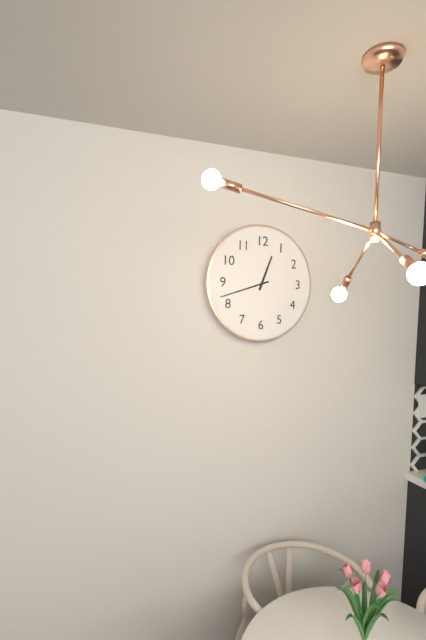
h=12 m=42
